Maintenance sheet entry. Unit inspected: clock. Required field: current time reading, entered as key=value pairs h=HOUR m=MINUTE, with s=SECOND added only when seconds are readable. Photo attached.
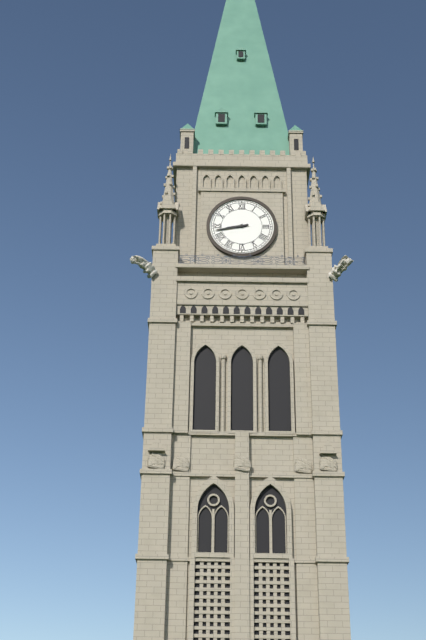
h=8 m=43
